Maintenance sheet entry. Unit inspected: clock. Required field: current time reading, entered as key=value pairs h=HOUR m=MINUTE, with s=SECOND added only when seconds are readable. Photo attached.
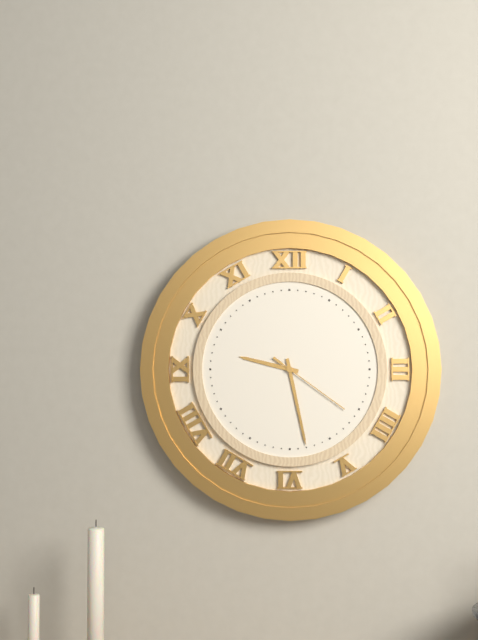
h=9 m=28 s=21
